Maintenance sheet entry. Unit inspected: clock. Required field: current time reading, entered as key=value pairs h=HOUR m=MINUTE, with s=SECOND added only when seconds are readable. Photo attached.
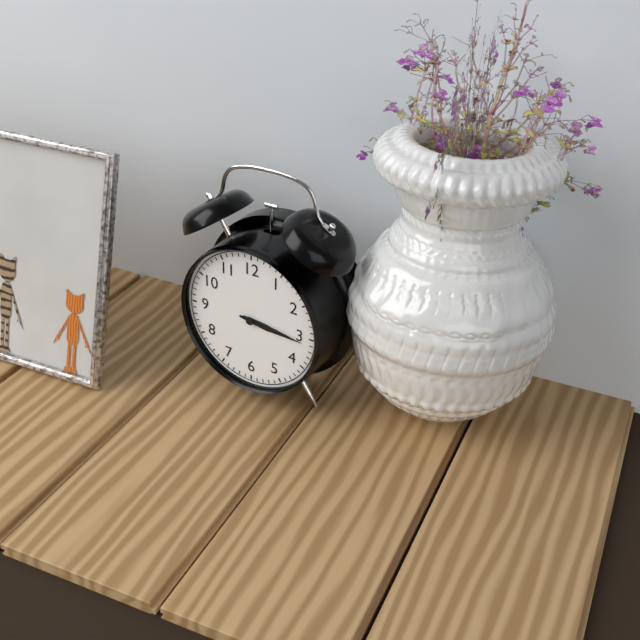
h=3 m=16
